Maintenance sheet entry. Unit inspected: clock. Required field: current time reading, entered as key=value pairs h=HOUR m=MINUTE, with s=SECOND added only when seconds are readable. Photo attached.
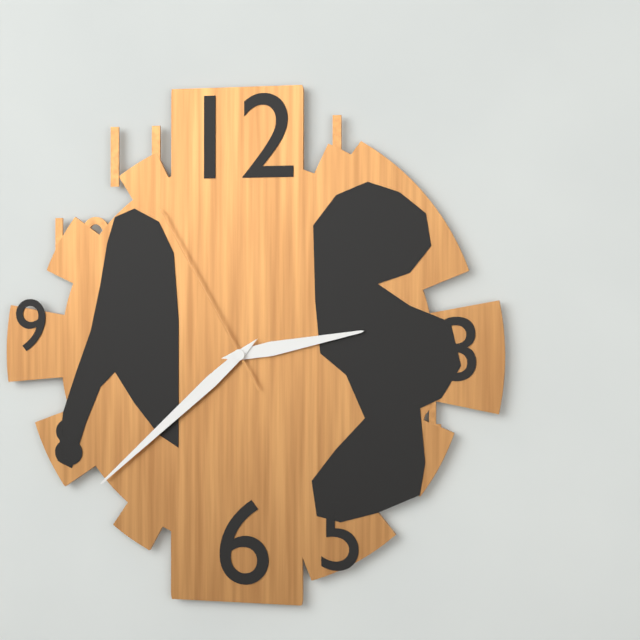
h=2 m=38 s=55
